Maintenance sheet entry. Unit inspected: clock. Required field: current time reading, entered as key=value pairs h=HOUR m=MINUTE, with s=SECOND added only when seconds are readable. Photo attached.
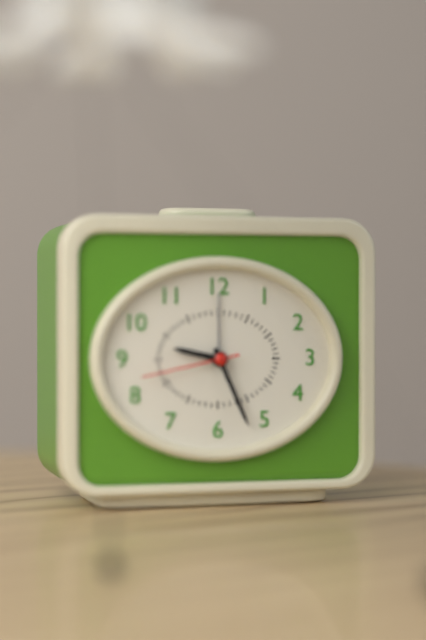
h=9 m=26 s=43
